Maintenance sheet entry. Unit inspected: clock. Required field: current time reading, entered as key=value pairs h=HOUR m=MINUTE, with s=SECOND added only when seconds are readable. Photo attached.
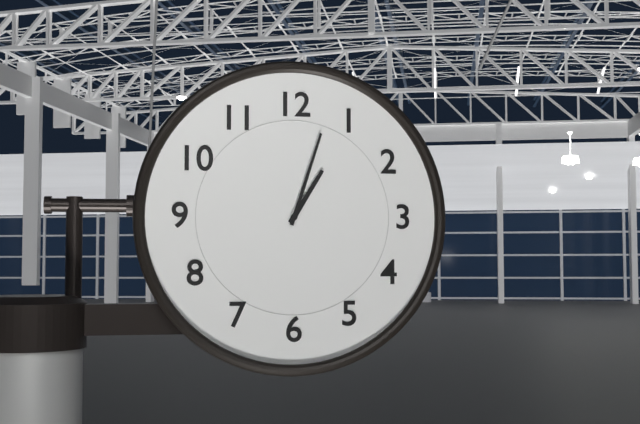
h=1 m=3
